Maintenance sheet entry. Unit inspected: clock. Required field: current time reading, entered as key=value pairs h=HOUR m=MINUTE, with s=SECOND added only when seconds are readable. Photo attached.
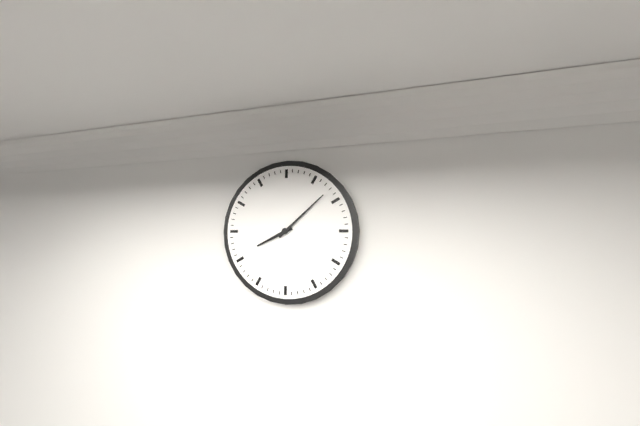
h=8 m=8
